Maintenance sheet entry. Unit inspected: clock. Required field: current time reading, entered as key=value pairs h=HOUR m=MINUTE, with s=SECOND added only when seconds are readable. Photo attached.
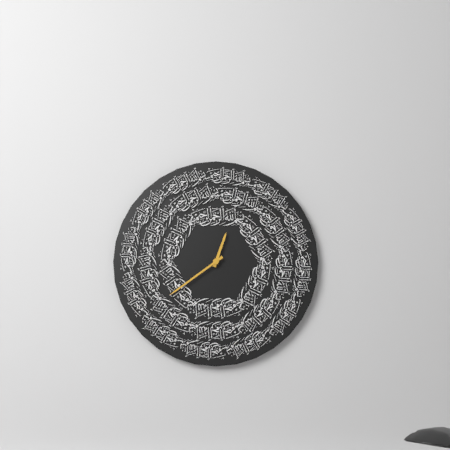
h=12 m=39
